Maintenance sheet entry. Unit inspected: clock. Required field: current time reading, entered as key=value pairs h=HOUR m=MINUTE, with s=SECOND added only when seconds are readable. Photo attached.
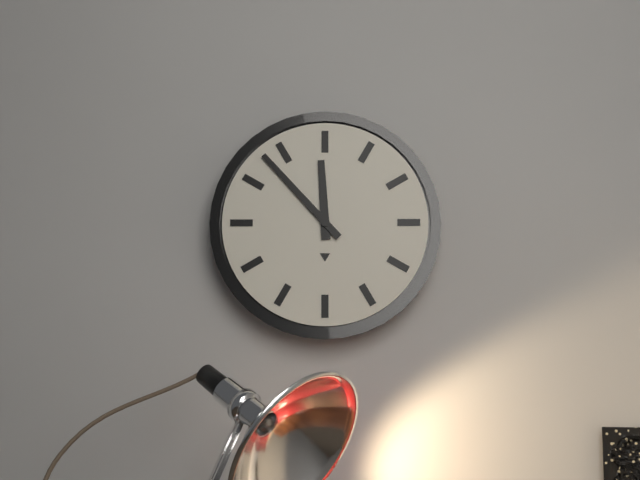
h=11 m=53
